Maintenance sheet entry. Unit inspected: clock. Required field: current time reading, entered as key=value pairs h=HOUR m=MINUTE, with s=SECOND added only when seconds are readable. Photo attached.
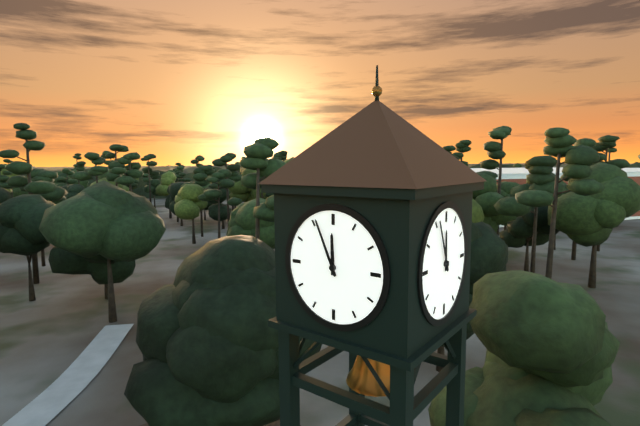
h=11 m=56
